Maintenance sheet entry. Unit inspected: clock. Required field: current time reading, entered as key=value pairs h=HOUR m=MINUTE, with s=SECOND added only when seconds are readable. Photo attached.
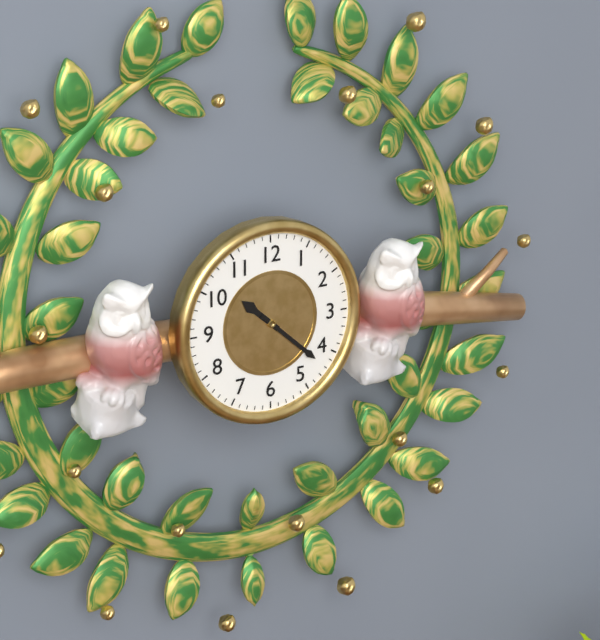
h=10 m=22
